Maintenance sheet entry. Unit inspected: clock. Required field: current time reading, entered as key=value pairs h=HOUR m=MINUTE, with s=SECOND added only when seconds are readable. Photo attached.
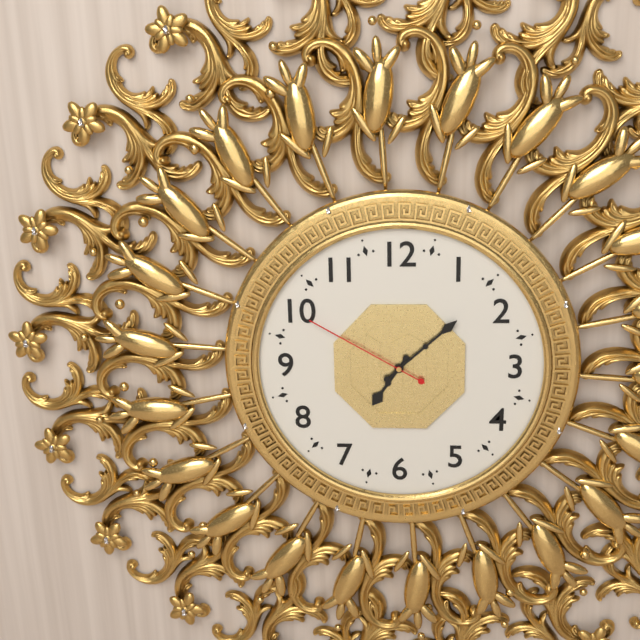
h=7 m=8 s=50
